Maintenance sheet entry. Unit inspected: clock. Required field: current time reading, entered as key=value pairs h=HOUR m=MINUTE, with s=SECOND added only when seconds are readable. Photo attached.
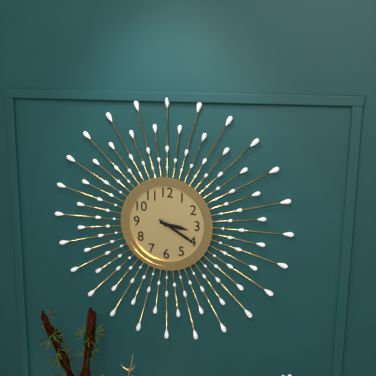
h=3 m=20
